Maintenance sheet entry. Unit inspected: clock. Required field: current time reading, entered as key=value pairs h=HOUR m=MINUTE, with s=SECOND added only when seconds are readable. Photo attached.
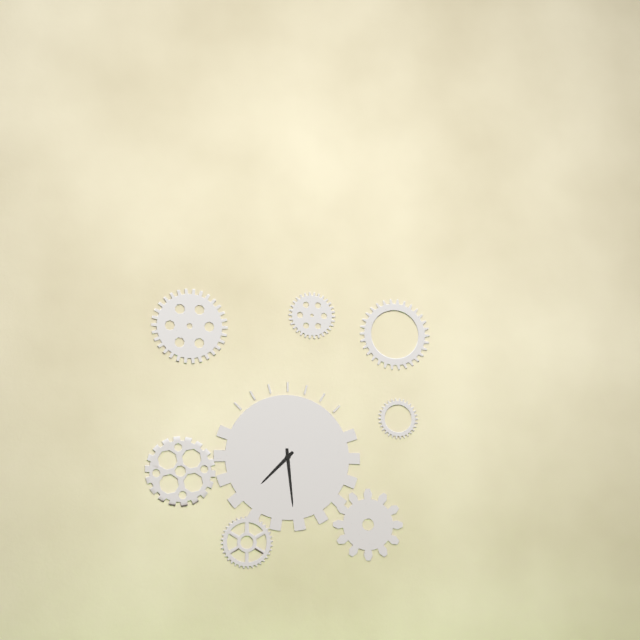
h=7 m=29
